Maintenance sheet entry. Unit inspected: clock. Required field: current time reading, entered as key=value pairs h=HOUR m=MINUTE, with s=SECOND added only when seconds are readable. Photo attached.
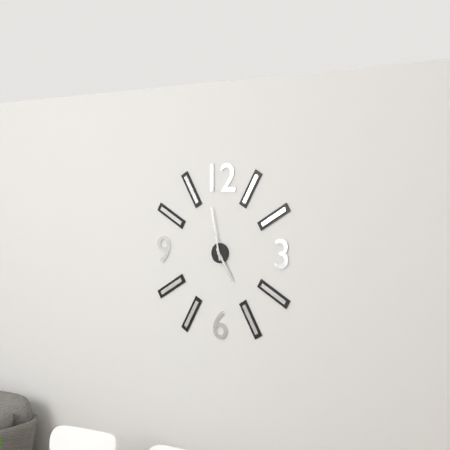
h=4 m=58
